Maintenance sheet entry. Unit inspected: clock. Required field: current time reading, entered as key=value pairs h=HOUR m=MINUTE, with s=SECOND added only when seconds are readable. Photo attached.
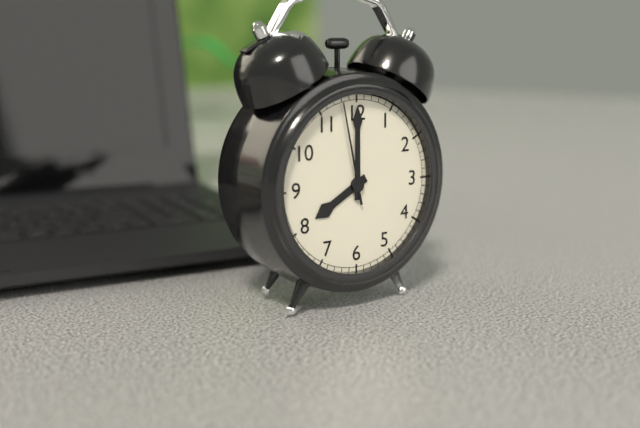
h=8 m=0 s=58
